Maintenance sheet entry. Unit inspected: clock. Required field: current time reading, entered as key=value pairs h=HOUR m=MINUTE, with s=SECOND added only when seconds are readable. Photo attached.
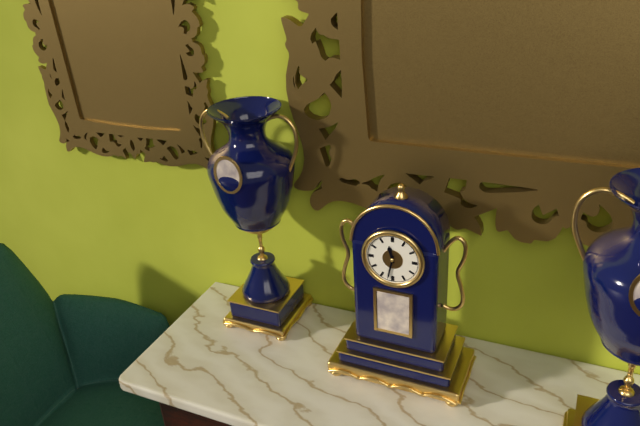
h=11 m=32
